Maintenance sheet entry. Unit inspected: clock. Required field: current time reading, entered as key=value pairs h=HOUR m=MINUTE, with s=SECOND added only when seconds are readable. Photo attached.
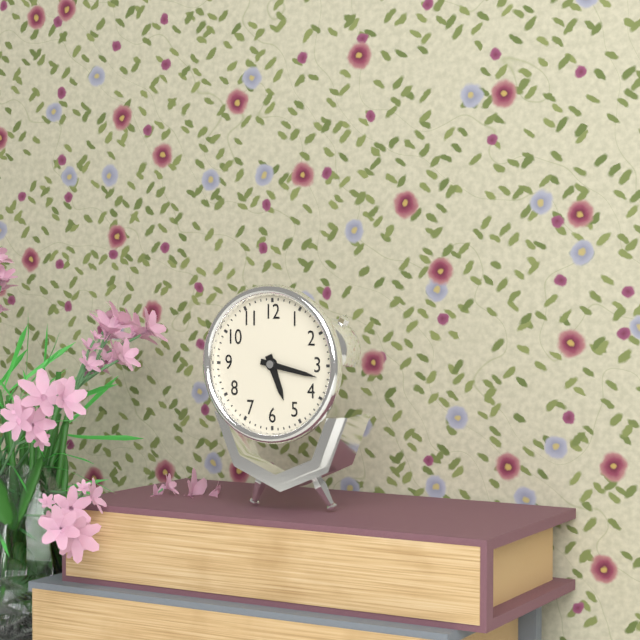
h=5 m=17
